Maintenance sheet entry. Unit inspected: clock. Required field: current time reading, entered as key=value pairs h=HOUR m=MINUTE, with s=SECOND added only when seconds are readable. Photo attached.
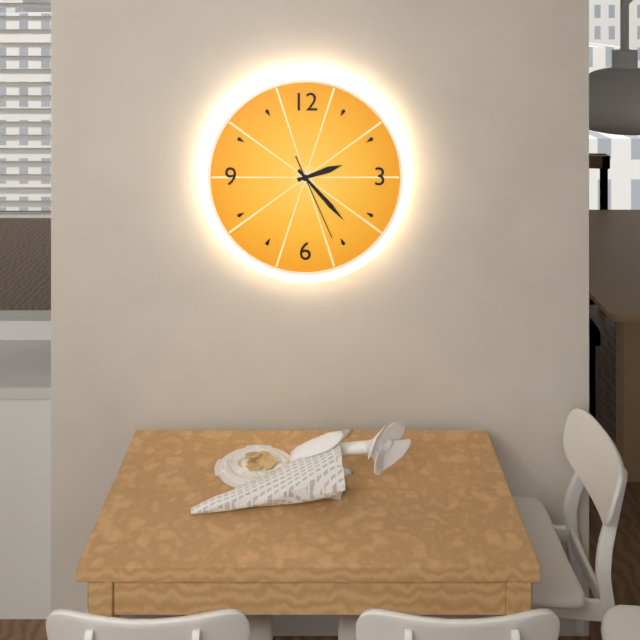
h=2 m=23 s=26
